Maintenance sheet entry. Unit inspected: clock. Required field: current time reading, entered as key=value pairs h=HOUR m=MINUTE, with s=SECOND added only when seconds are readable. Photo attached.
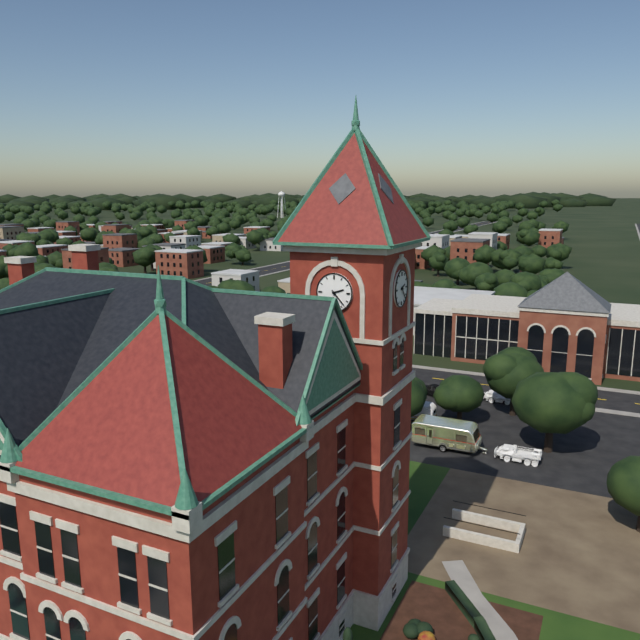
h=2 m=23
